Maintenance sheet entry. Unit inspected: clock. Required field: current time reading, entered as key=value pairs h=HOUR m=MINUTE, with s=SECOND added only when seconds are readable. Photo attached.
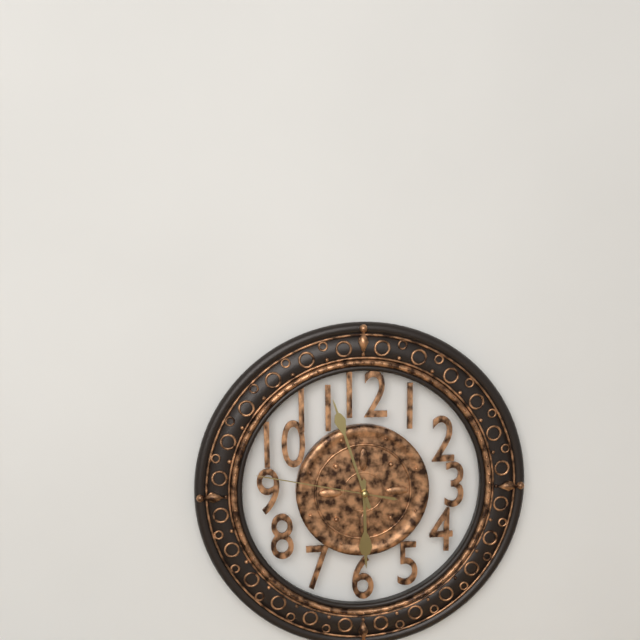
h=5 m=57 s=47
